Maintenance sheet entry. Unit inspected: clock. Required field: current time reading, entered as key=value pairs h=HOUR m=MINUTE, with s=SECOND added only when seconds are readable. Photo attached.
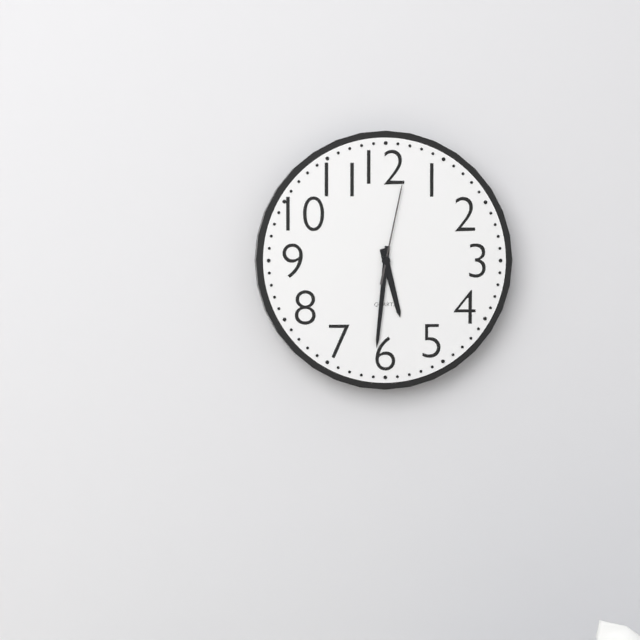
h=5 m=31 s=2
